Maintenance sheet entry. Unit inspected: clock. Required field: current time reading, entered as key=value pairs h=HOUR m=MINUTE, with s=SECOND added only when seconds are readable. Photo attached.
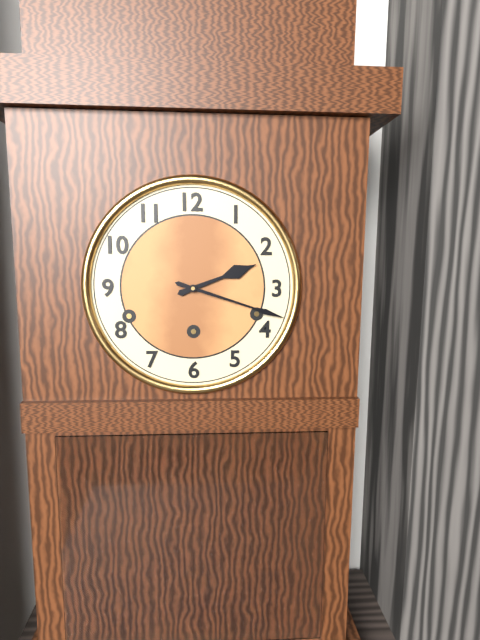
h=2 m=18
